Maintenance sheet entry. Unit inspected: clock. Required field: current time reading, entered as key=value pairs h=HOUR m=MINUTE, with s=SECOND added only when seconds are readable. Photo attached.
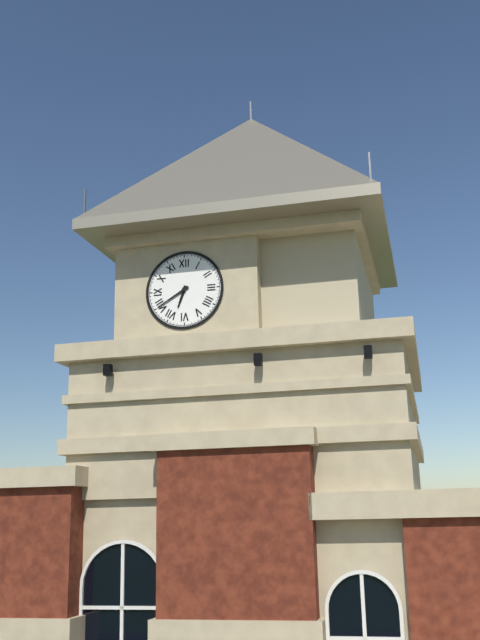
h=6 m=40
